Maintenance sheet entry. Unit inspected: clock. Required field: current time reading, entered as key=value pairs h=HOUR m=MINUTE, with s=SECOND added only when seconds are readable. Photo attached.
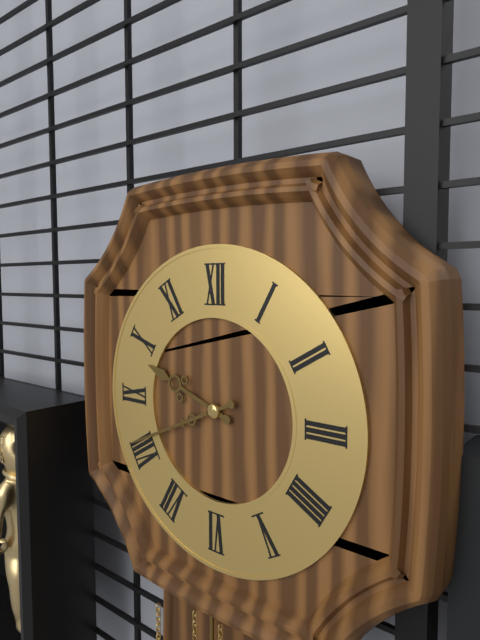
h=9 m=41
